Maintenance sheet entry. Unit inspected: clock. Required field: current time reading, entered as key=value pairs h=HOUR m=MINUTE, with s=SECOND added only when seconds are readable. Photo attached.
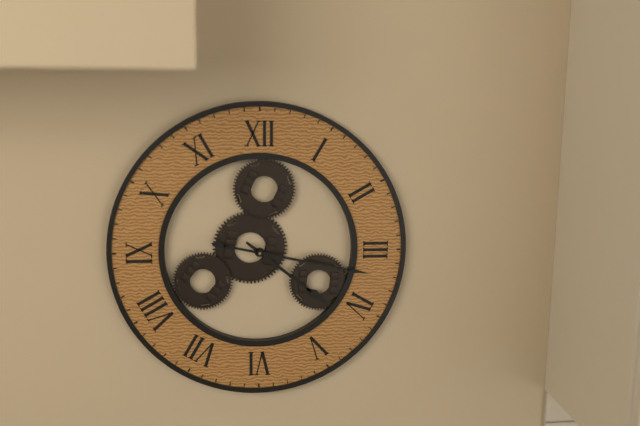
h=4 m=17
